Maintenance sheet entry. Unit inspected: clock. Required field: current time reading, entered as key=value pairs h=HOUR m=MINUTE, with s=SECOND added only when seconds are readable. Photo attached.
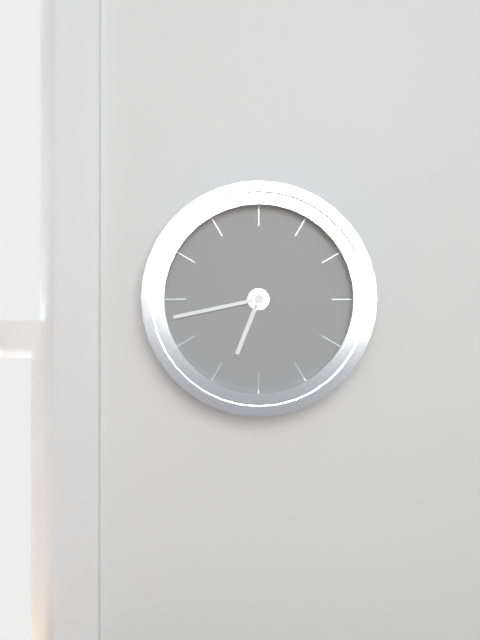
h=6 m=43
